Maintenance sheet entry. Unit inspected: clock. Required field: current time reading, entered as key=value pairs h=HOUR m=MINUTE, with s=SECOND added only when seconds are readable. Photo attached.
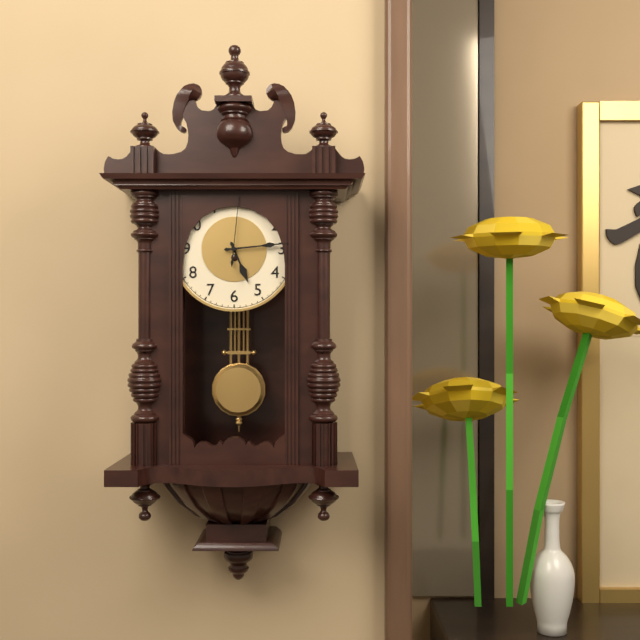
h=5 m=14 s=1
